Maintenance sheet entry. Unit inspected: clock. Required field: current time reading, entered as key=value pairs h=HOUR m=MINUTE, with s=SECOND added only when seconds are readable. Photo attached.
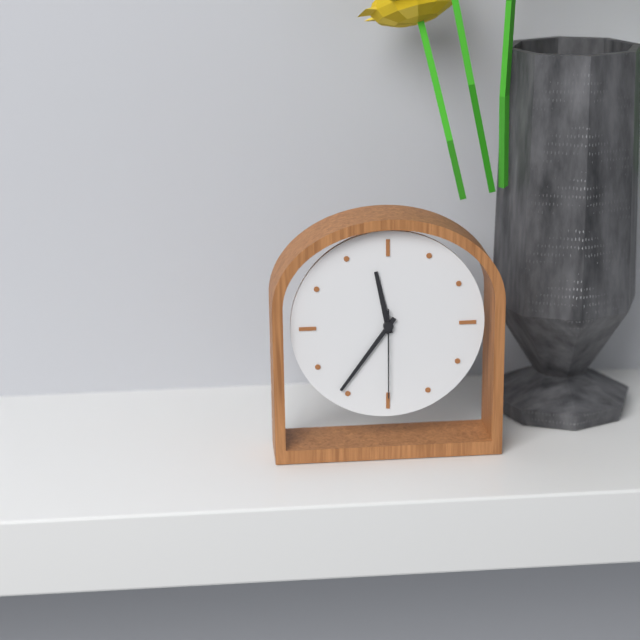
h=11 m=36 s=30
